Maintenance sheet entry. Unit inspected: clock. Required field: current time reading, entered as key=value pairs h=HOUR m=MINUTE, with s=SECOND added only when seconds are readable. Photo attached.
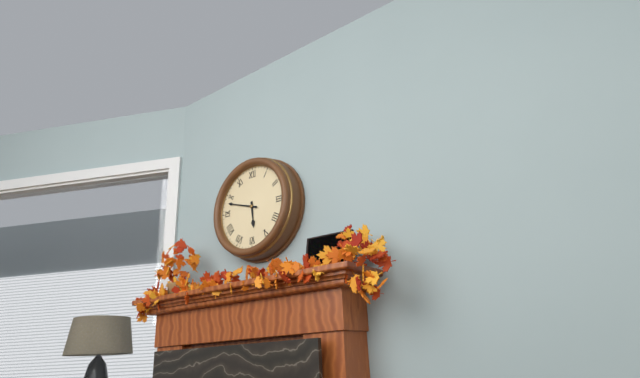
h=5 m=48
